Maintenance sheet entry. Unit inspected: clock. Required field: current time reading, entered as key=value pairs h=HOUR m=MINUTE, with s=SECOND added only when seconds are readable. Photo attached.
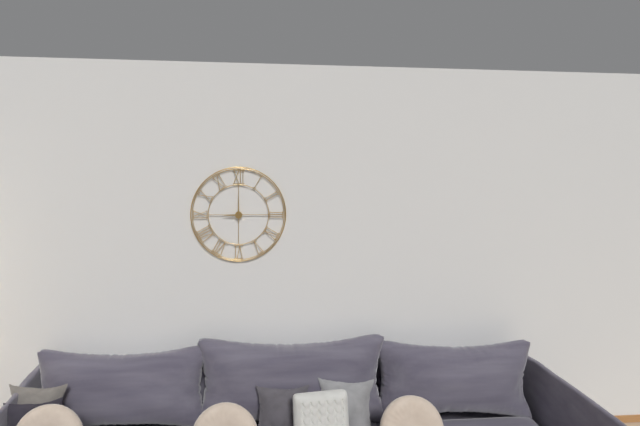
h=9 m=0
